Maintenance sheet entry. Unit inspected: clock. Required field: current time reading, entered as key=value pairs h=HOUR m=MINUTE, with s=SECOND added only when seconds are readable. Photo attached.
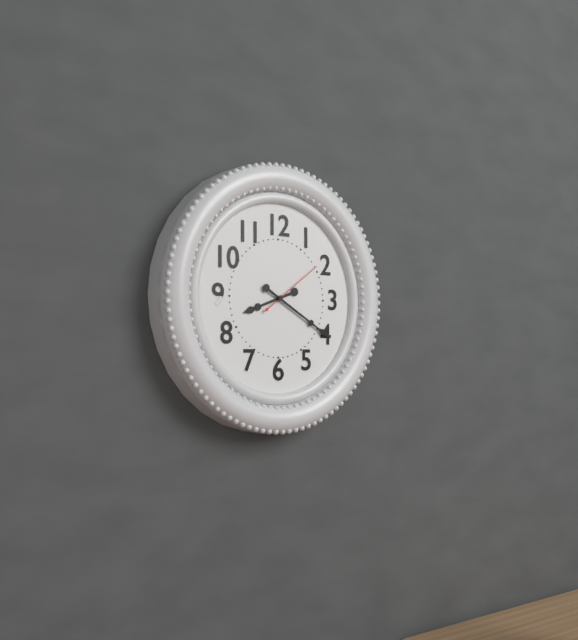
h=8 m=20 s=9
